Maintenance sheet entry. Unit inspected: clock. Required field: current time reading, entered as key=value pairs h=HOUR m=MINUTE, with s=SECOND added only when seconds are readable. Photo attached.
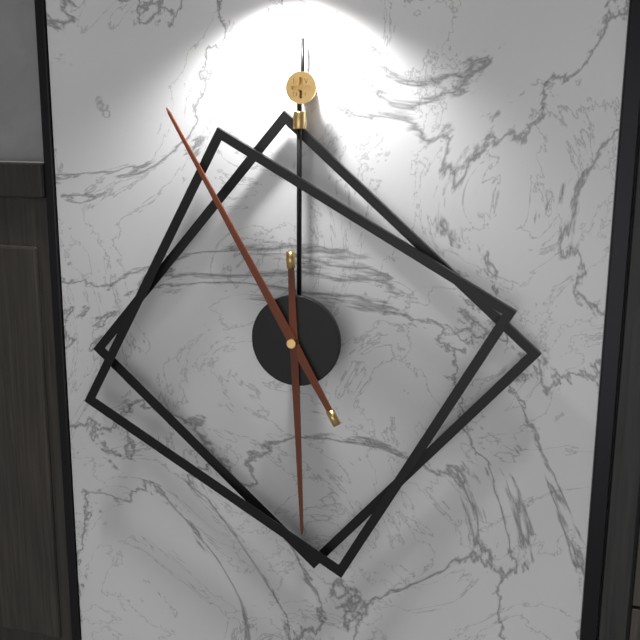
h=5 m=55
